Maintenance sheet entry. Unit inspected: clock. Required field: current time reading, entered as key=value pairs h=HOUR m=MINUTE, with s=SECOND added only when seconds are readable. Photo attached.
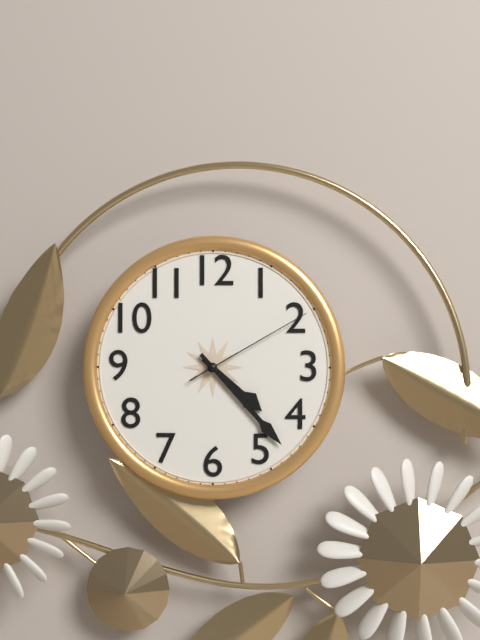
h=4 m=23 s=10
